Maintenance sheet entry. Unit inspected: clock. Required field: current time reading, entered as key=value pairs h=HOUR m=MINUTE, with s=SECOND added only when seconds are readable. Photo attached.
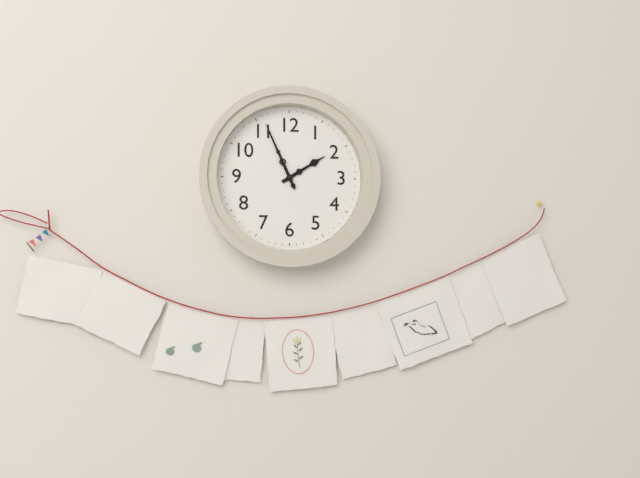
h=1 m=56
